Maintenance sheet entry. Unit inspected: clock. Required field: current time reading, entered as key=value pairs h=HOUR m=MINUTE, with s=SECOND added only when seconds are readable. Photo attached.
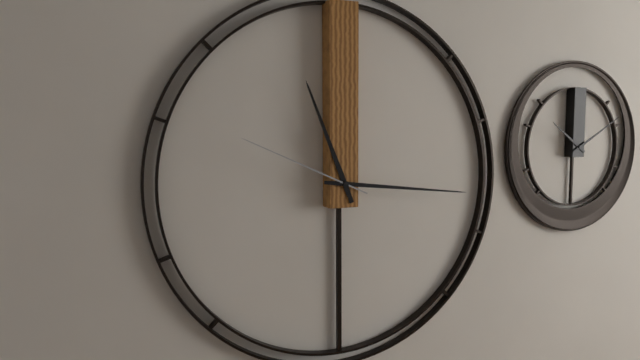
h=11 m=16 s=49
